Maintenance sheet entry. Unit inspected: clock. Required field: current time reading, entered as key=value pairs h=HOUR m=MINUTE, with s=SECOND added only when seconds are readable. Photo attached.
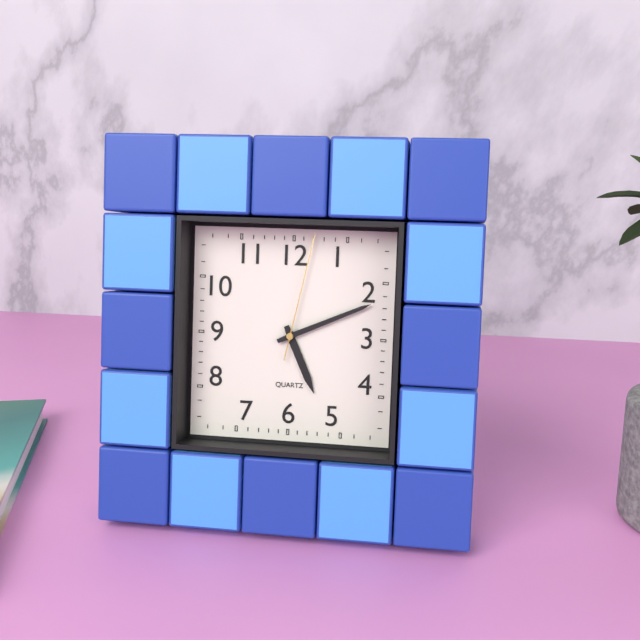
h=5 m=11 s=2
